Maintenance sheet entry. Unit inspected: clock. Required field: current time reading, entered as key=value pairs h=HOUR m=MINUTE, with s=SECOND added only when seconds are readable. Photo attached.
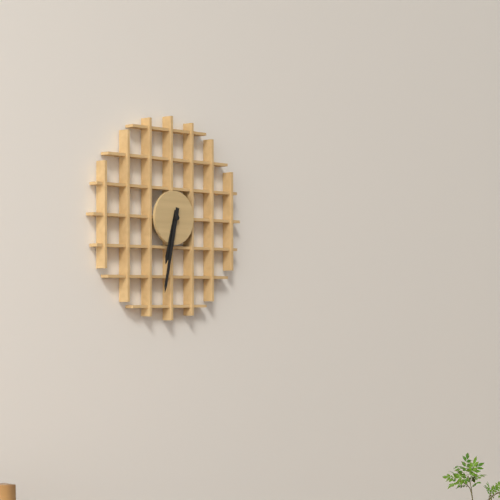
h=6 m=32
